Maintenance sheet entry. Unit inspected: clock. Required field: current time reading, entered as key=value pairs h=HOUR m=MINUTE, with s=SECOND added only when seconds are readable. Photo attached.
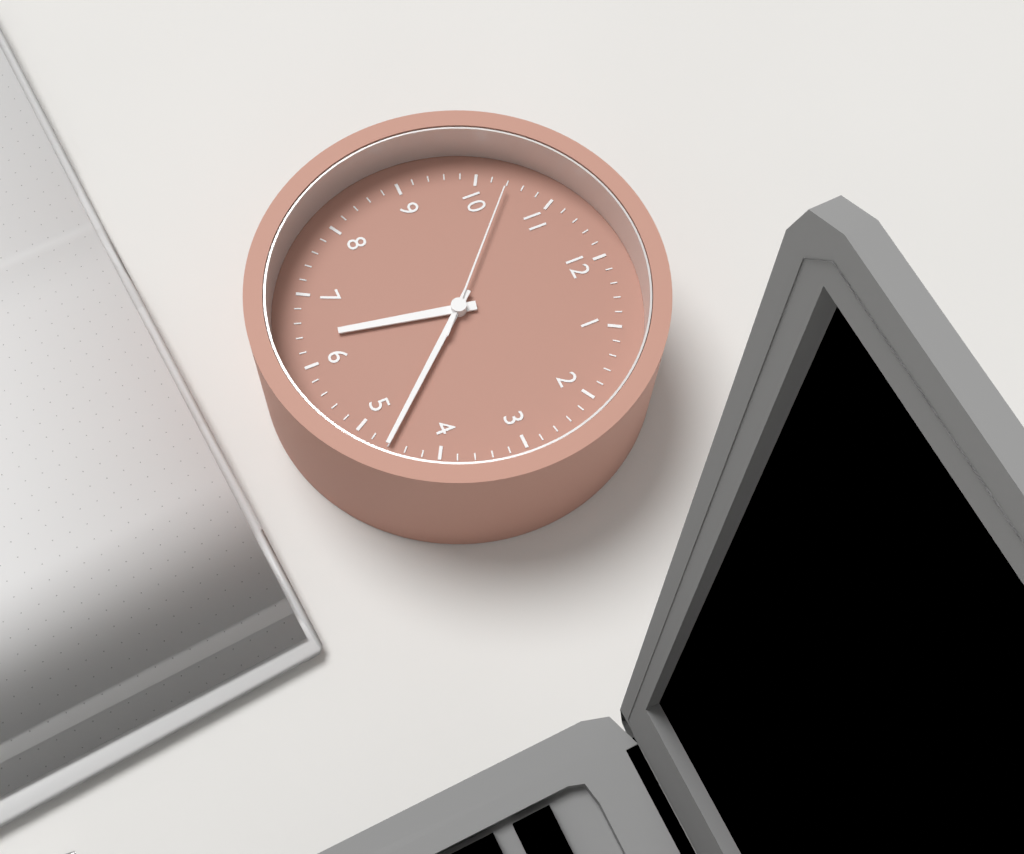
h=6 m=23 s=52
